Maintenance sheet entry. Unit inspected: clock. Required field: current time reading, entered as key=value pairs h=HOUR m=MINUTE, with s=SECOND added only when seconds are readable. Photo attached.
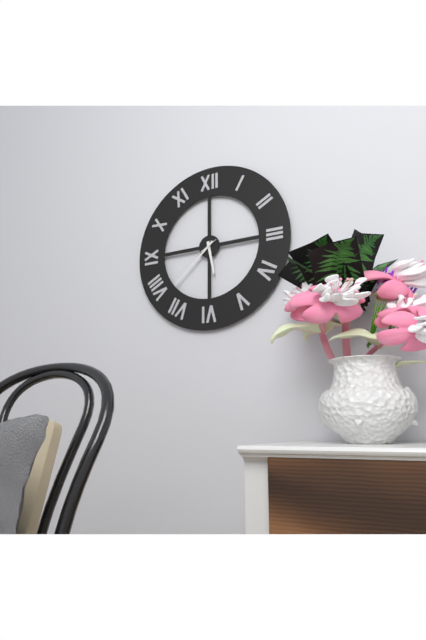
h=5 m=38 s=40
